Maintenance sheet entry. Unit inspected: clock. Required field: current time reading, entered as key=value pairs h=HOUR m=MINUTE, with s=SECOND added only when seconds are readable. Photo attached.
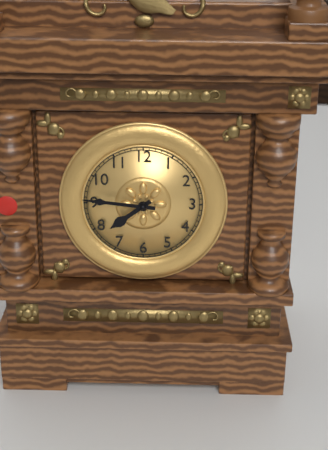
h=7 m=46
